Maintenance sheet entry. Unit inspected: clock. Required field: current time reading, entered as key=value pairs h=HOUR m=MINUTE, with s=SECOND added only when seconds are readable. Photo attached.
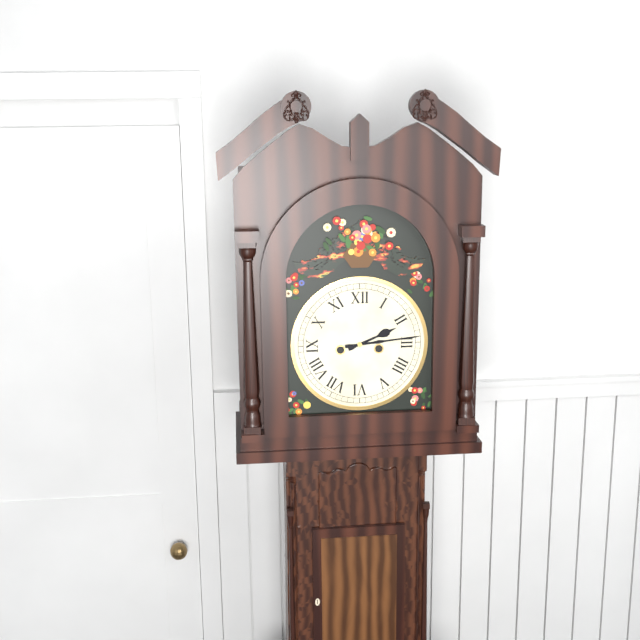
h=2 m=14
